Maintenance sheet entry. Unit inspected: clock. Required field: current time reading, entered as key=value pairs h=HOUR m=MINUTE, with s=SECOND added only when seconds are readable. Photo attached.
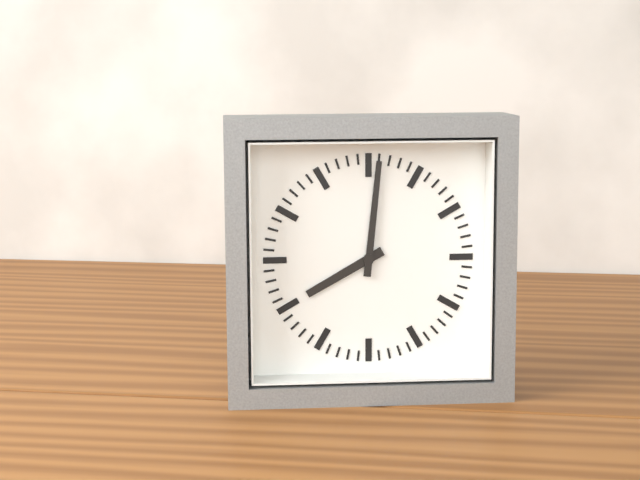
h=8 m=1
